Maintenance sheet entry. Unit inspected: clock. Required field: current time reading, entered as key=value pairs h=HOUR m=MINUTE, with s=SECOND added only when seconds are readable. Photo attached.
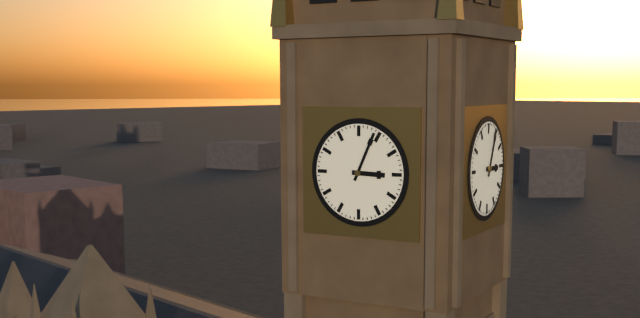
h=3 m=4
